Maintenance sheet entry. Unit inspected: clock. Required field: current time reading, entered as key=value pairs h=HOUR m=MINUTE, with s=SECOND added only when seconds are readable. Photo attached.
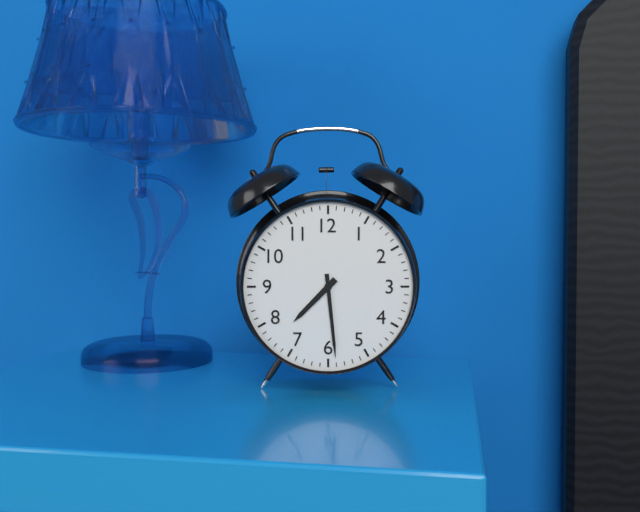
h=7 m=29
